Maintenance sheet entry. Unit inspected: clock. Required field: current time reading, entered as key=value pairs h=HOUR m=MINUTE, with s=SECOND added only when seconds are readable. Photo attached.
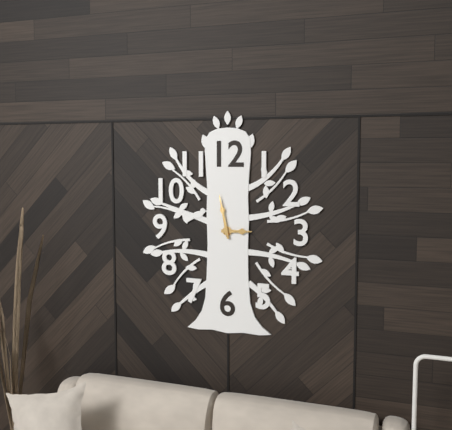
h=2 m=58
